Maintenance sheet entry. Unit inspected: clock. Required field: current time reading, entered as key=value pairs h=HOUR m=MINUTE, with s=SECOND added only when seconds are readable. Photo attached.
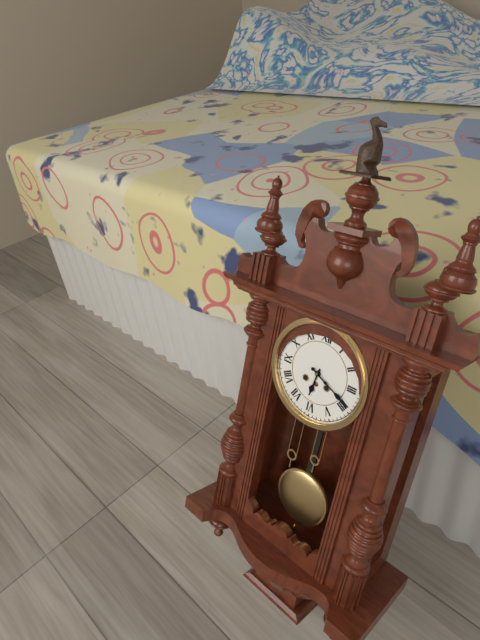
h=6 m=19
